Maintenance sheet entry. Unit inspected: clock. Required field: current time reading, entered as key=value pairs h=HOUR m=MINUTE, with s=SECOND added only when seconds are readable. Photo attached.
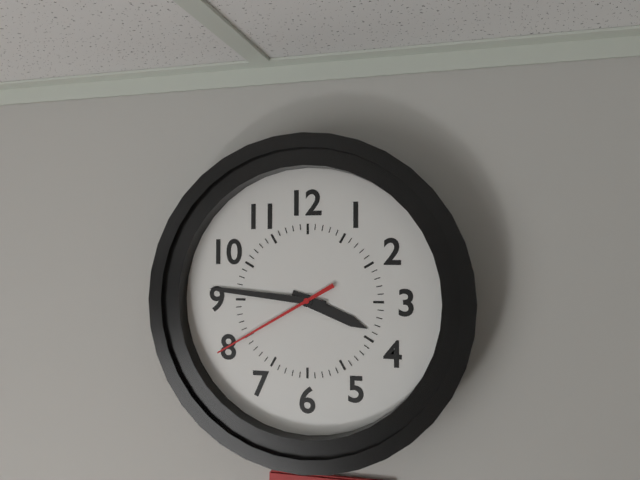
h=3 m=46 s=40
